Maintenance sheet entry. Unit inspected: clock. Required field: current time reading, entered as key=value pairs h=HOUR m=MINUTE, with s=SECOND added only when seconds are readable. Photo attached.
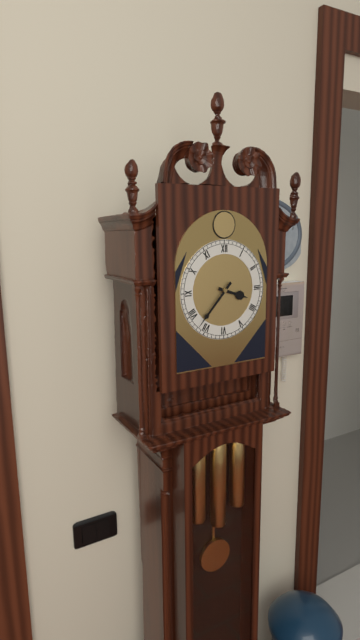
h=3 m=37
